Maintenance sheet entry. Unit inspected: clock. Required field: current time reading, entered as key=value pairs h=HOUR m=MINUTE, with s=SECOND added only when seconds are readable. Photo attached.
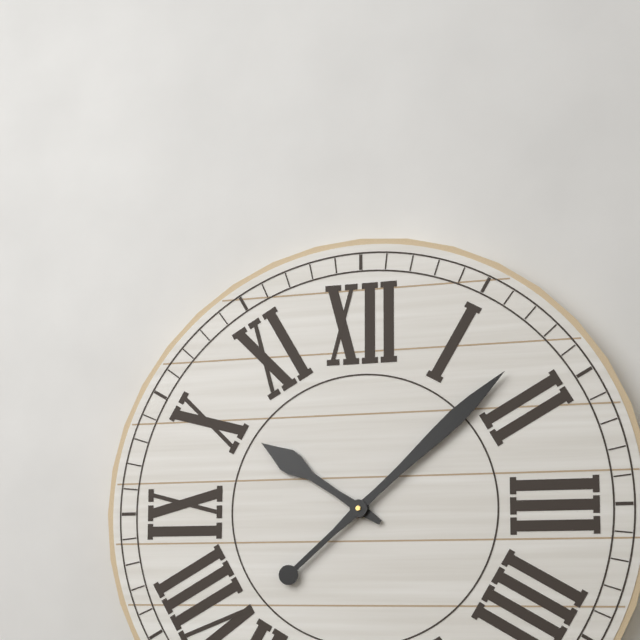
h=10 m=8
